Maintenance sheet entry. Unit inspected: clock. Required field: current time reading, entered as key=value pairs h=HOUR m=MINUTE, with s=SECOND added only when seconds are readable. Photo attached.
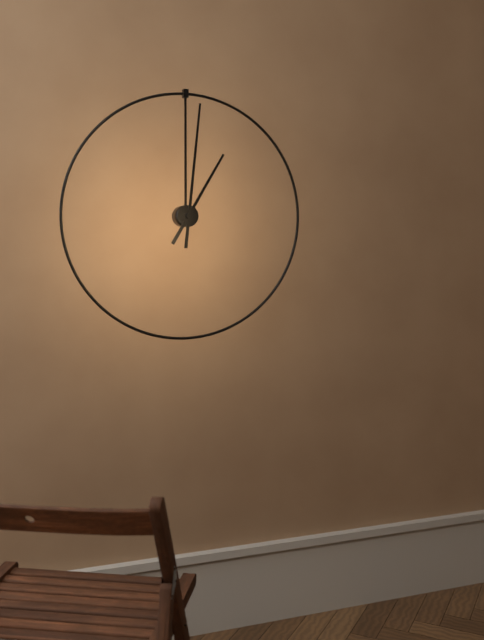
h=1 m=1
